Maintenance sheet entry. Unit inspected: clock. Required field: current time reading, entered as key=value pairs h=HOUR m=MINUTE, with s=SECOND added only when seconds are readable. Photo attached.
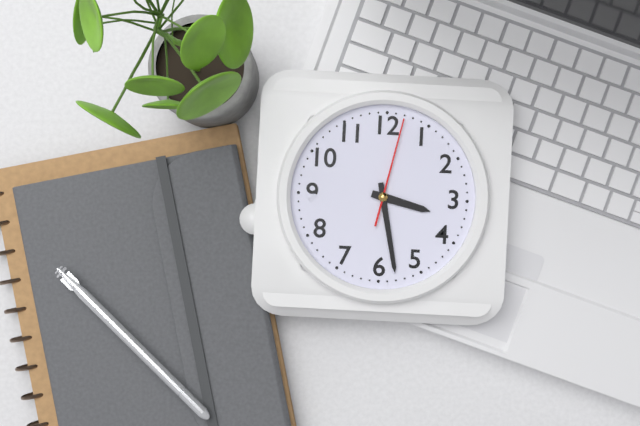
h=3 m=28 s=2
